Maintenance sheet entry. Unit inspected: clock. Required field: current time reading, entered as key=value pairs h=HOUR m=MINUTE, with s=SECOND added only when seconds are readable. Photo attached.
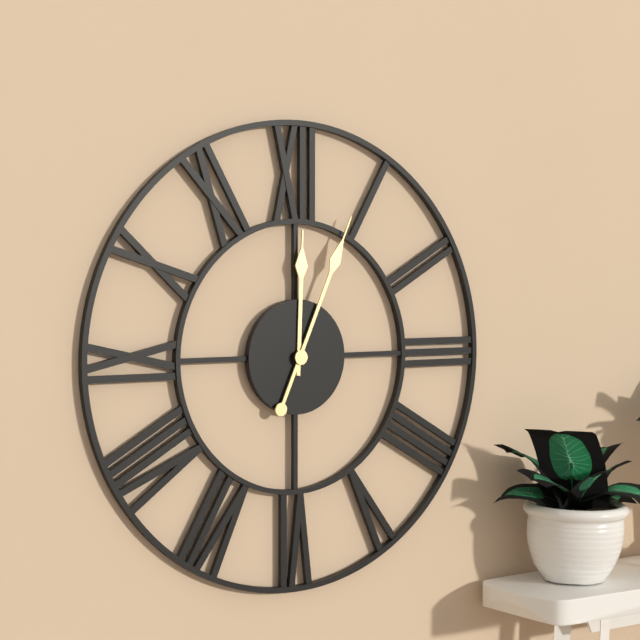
h=12 m=4
